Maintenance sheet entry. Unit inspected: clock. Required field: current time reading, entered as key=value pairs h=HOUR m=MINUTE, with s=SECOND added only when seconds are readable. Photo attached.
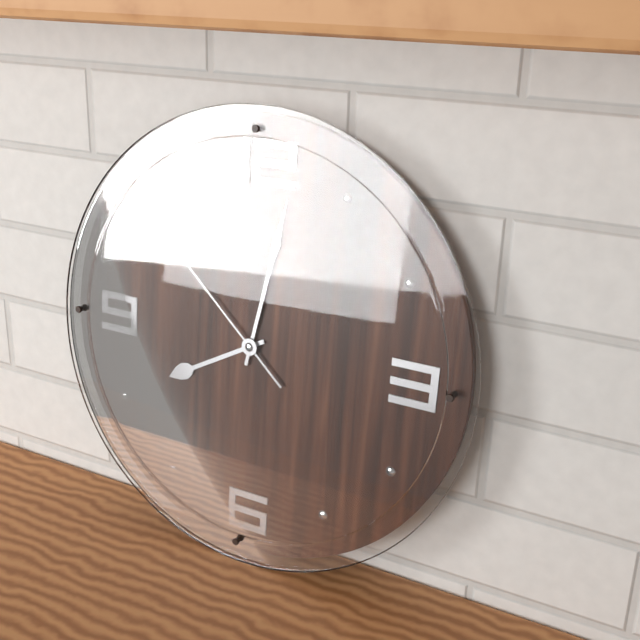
h=8 m=2 s=52
